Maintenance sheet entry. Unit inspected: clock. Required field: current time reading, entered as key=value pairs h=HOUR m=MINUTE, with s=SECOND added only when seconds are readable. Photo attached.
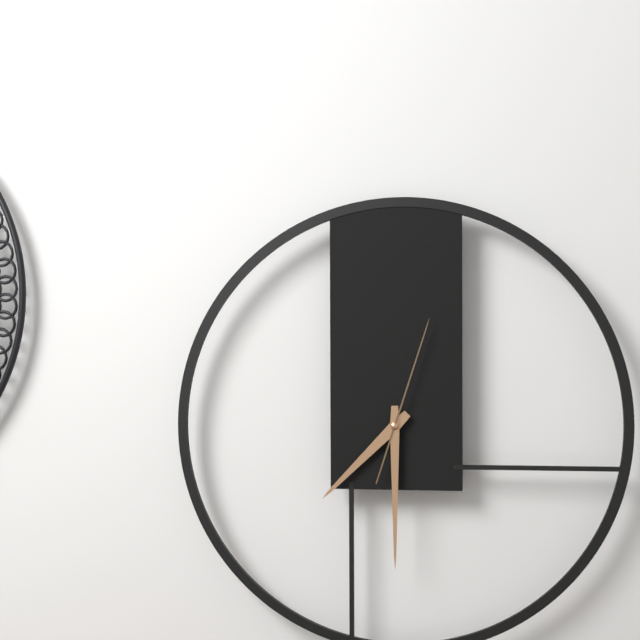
h=7 m=30 s=3
